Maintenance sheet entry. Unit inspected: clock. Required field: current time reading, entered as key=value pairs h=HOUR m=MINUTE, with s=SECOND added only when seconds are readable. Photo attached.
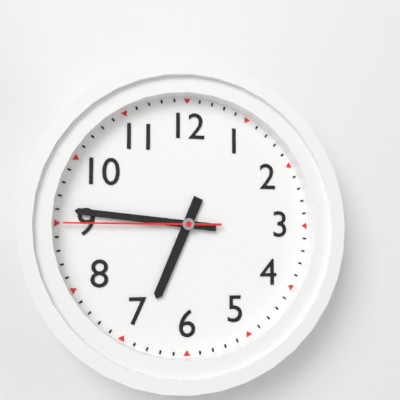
h=6 m=46 s=45
